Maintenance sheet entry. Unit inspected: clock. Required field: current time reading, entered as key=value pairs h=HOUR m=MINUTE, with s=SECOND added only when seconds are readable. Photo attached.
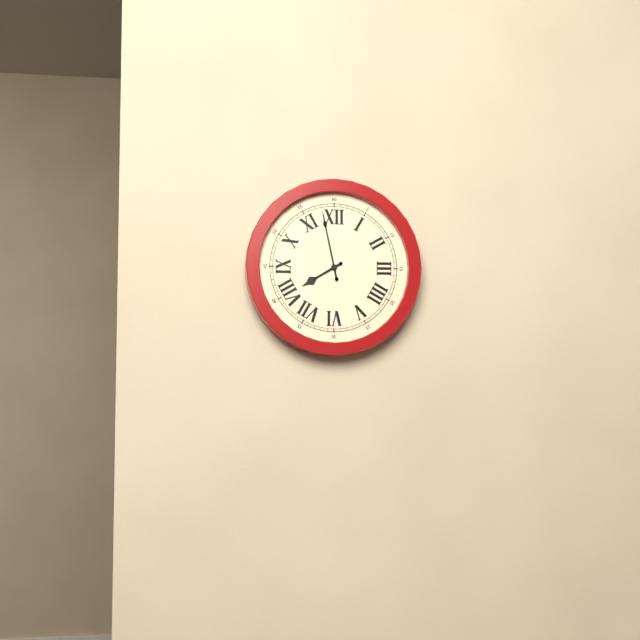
h=7 m=58
